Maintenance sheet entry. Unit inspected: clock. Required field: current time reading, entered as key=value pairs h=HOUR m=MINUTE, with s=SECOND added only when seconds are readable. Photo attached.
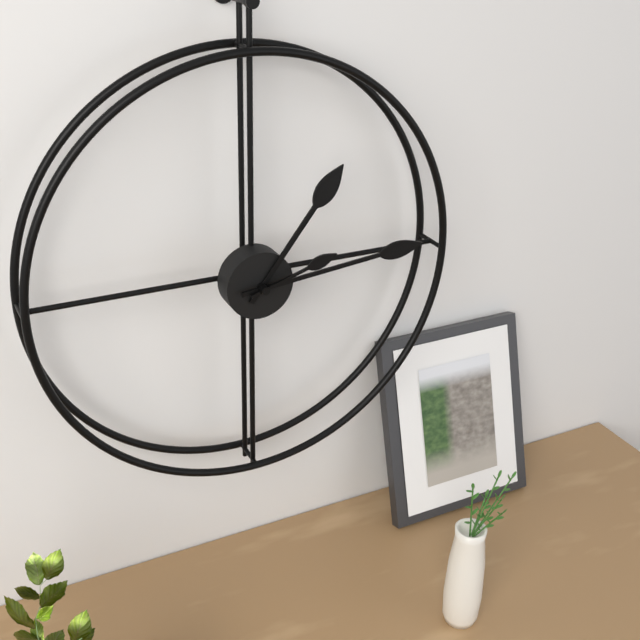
h=1 m=14 s=12
